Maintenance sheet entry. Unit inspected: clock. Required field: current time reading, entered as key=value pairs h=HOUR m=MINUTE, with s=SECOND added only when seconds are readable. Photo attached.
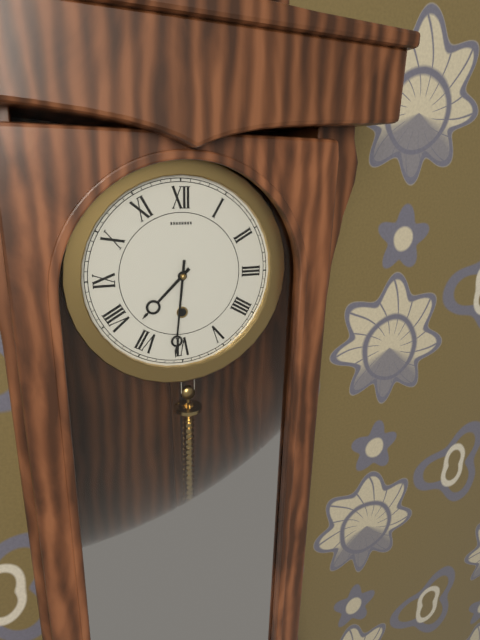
h=7 m=31
